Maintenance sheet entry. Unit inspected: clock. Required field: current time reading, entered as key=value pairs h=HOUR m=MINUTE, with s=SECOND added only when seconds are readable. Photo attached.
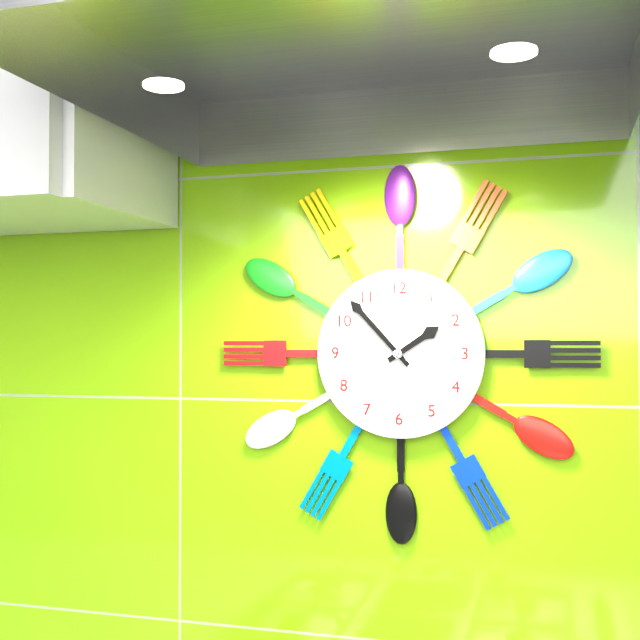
h=1 m=53
